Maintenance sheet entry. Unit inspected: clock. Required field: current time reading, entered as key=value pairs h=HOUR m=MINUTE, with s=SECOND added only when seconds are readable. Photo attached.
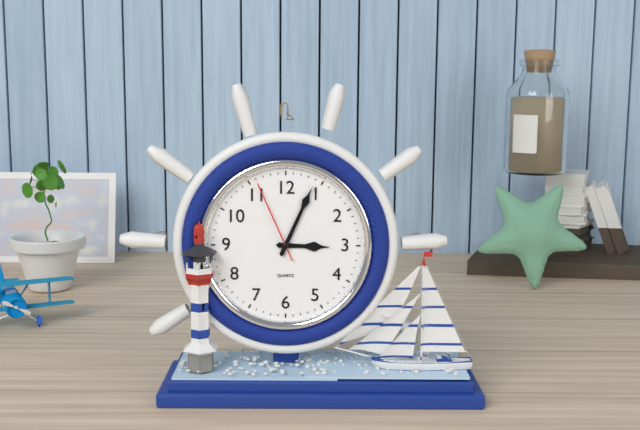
h=3 m=4 s=56
